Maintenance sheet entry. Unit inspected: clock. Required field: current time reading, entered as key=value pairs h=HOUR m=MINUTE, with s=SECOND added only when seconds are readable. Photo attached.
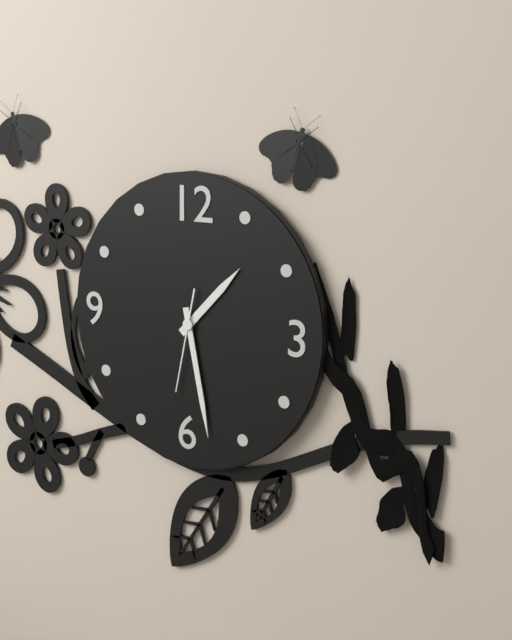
h=1 m=28 s=32
